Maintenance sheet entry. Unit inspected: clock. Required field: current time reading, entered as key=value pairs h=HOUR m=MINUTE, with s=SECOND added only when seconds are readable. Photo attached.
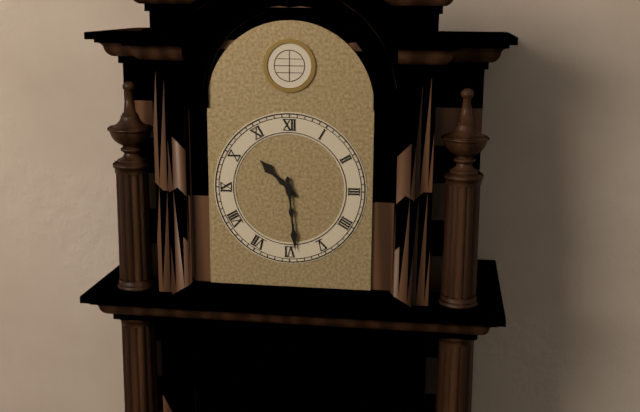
h=10 m=29
